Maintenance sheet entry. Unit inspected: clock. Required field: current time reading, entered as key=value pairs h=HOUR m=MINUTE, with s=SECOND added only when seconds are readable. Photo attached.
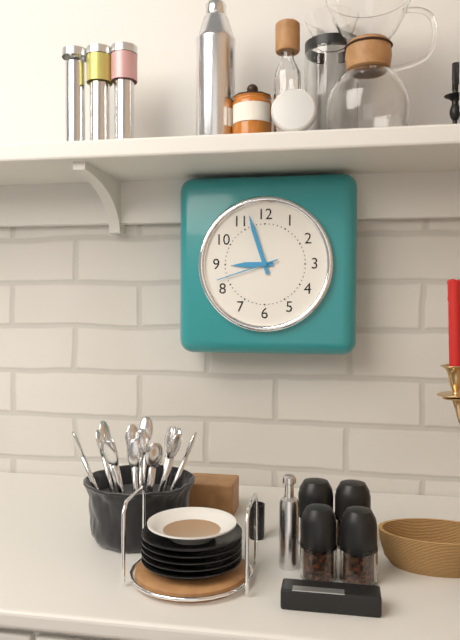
h=8 m=57 s=42
